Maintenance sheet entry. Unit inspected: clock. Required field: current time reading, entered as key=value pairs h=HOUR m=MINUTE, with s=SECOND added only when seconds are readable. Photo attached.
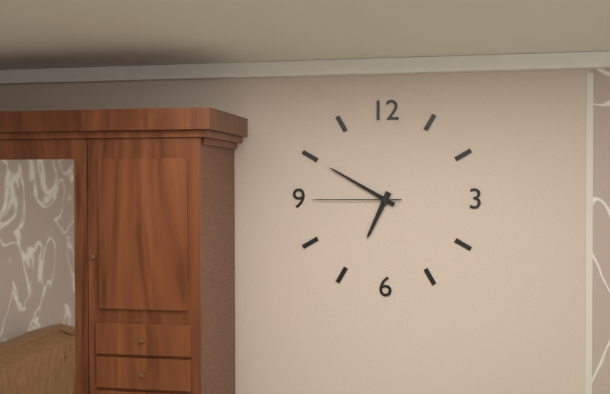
h=6 m=50 s=45
